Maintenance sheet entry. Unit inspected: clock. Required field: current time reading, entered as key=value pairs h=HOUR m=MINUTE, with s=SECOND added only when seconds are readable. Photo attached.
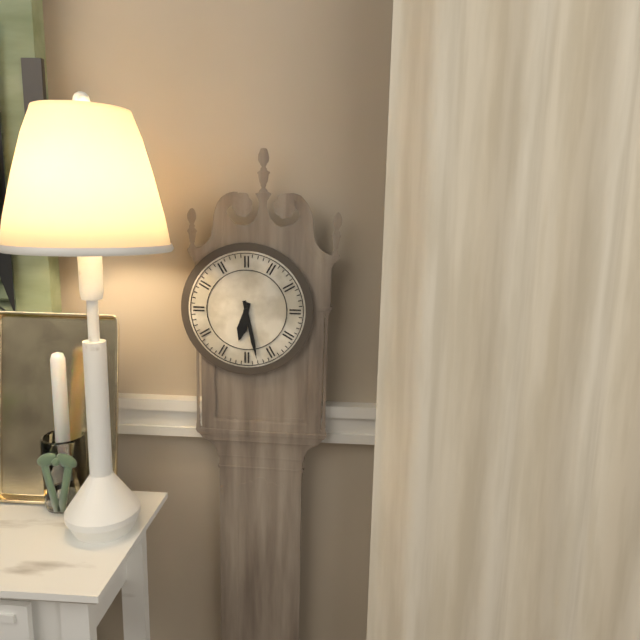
h=6 m=28
